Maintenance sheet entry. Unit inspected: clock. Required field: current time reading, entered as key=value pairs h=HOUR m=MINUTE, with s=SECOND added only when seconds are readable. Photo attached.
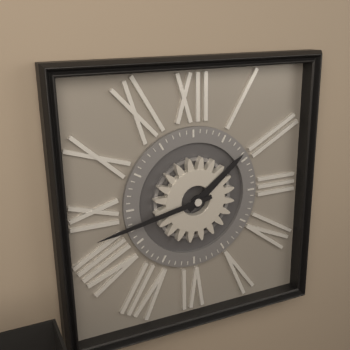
h=1 m=43
